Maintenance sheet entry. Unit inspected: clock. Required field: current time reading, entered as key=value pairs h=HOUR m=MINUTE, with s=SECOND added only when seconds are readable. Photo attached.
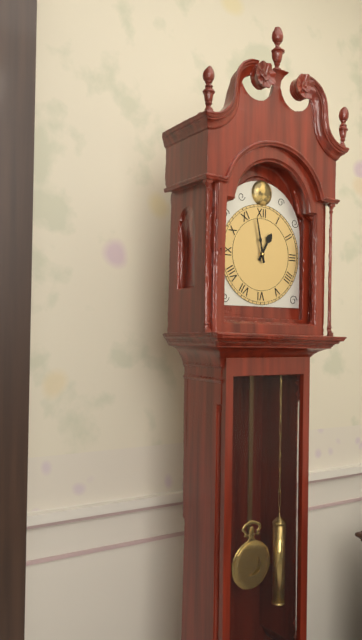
h=12 m=58
